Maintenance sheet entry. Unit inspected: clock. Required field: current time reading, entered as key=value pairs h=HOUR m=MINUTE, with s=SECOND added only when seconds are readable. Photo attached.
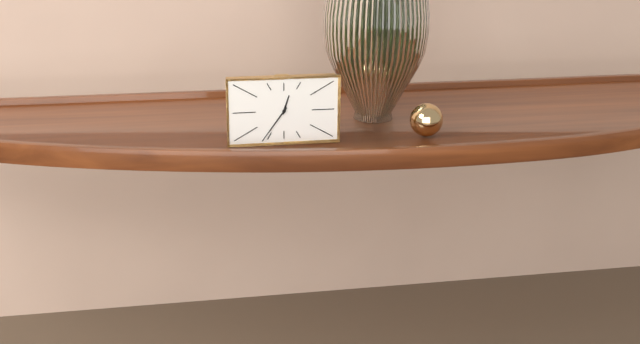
h=12 m=36
